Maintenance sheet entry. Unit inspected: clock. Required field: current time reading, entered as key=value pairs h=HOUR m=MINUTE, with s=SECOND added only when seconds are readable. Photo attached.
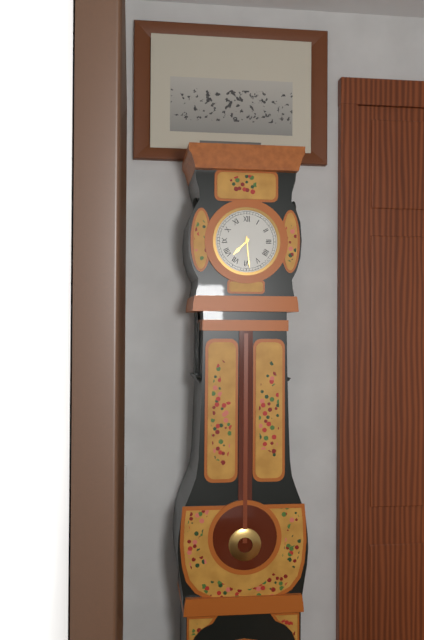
h=7 m=29
